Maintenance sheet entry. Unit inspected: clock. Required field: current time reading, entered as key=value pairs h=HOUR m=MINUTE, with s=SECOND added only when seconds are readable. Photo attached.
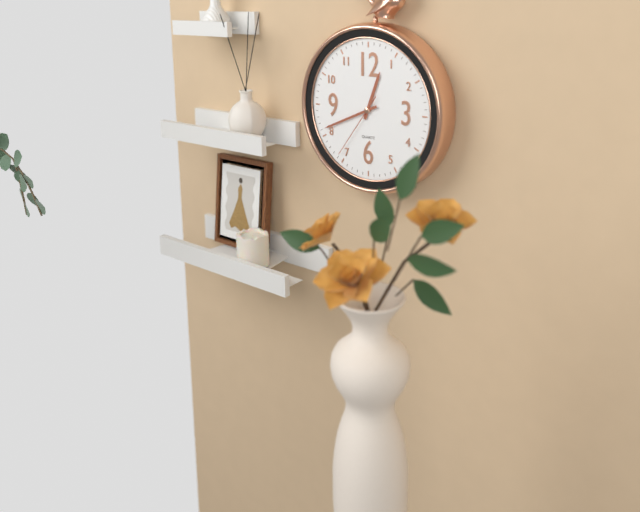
h=12 m=41 s=36
